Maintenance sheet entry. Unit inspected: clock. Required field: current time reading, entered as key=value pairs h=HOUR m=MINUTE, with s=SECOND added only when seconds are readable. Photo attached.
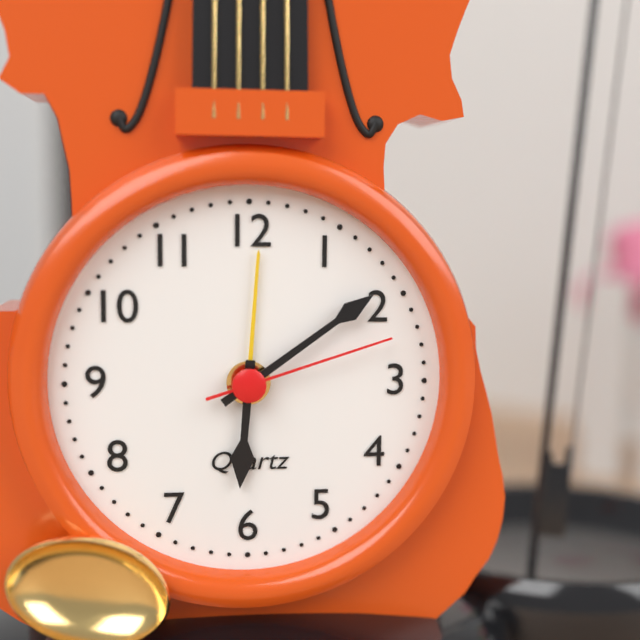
h=6 m=9 s=12
